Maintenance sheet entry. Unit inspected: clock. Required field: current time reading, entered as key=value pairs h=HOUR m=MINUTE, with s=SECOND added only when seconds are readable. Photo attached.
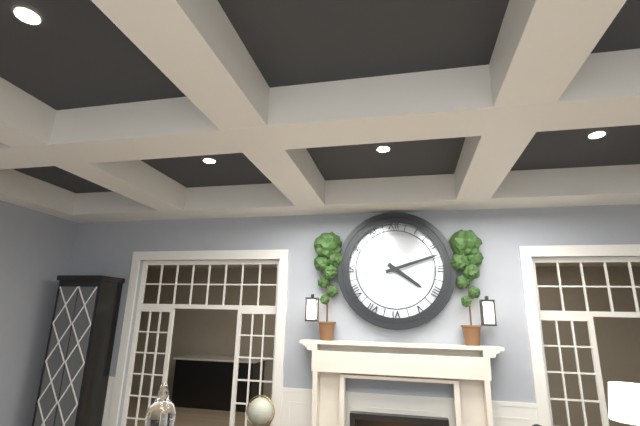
h=4 m=12
